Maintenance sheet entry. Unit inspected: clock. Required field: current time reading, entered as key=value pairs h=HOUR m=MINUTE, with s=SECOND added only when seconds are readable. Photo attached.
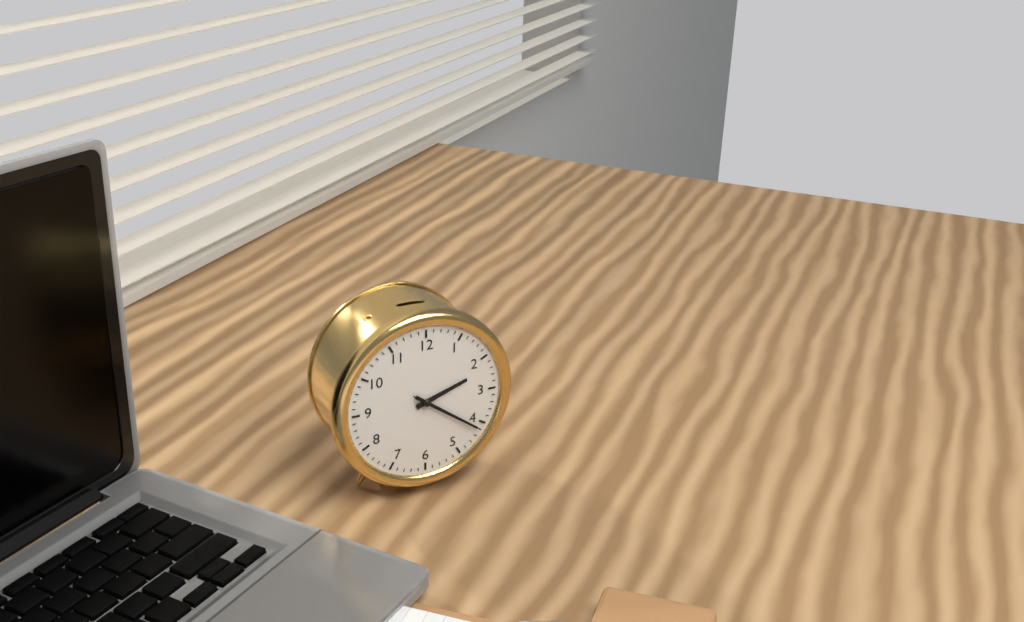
h=2 m=21 s=21
